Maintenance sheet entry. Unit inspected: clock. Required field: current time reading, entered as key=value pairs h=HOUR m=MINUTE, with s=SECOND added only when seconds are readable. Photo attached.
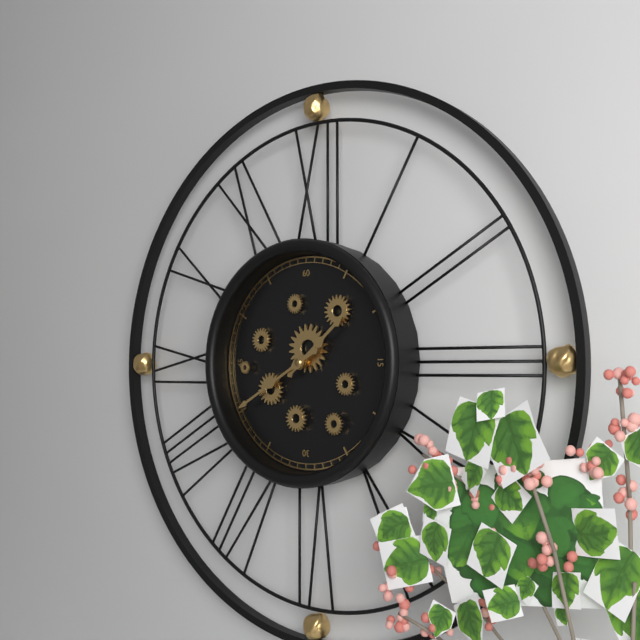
h=1 m=40
